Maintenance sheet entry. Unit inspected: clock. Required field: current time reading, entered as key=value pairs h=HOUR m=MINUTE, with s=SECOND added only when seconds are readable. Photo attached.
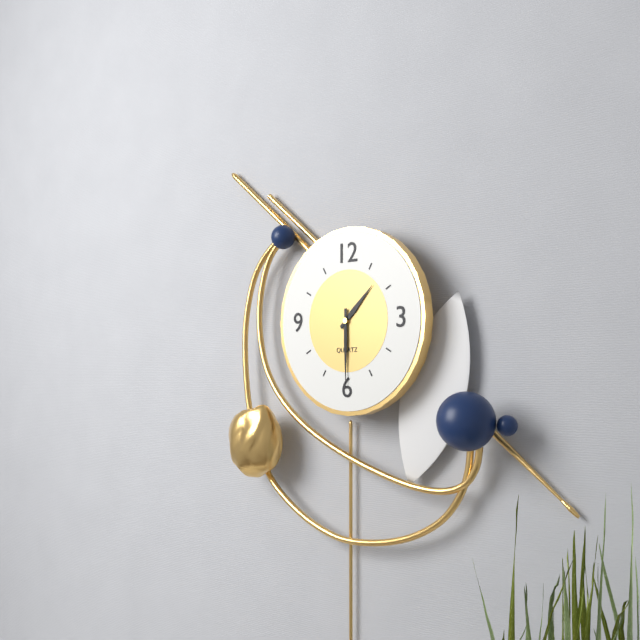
h=1 m=30
